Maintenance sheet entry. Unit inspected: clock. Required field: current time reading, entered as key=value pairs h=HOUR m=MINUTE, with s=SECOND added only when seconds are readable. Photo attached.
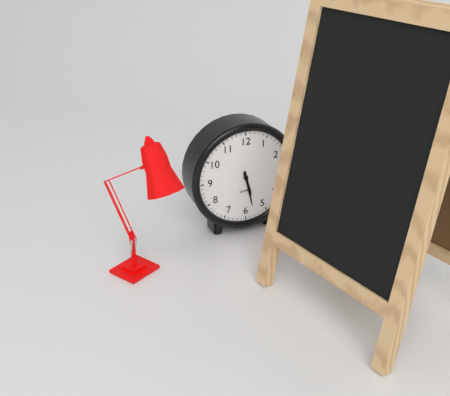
h=5 m=28
